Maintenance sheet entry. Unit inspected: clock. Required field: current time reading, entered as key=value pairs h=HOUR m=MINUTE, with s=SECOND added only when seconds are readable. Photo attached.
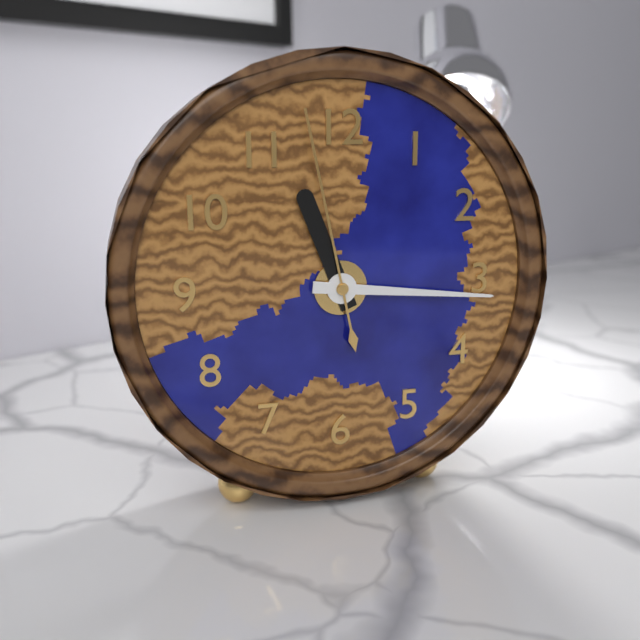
h=11 m=16 s=58
